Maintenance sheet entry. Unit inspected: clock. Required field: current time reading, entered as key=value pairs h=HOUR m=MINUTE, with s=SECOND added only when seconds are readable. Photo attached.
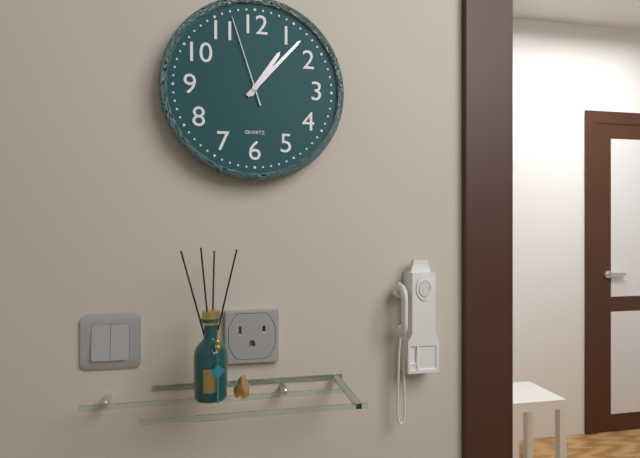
h=1 m=7 s=57
